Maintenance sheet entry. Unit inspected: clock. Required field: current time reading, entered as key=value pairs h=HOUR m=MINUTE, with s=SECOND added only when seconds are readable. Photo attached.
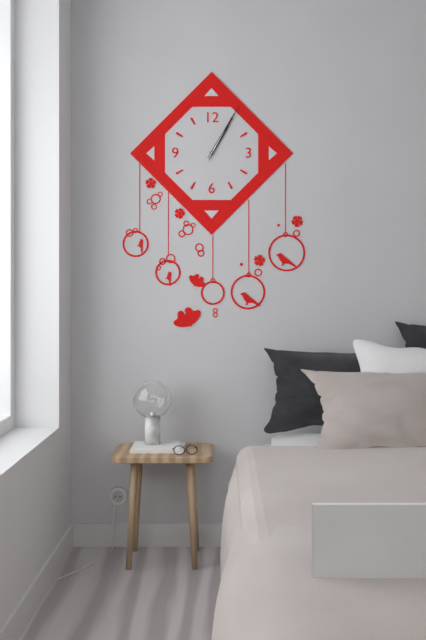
h=1 m=5
